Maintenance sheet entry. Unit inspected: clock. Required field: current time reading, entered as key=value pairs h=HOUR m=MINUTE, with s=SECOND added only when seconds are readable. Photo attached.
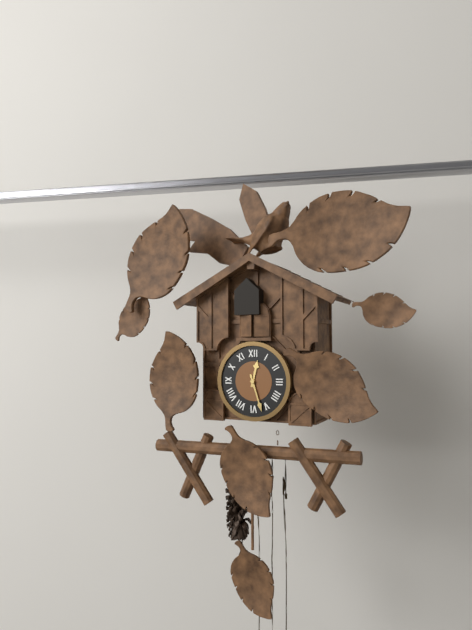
h=12 m=27
